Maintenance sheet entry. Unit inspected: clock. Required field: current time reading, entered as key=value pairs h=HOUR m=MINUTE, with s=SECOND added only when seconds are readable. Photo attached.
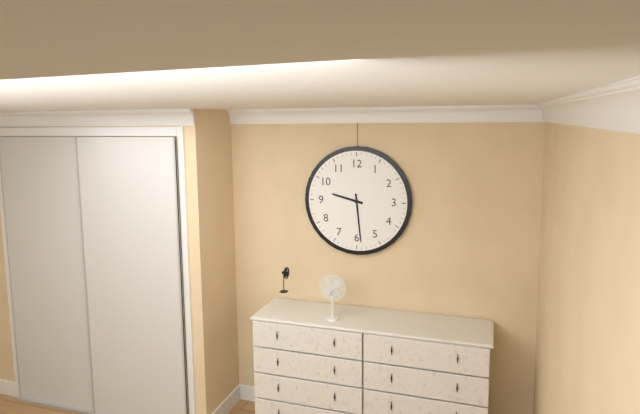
h=9 m=29
